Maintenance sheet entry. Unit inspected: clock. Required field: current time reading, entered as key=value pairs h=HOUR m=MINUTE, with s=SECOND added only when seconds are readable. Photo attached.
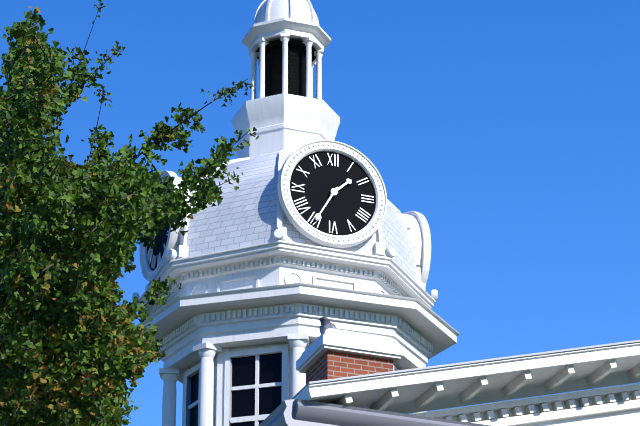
h=1 m=35
